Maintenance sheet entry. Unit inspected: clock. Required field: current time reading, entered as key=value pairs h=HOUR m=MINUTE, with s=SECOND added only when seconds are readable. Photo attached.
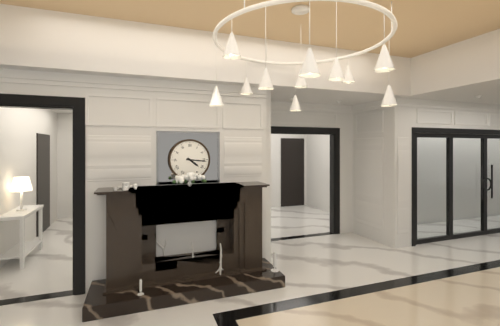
h=4 m=16
